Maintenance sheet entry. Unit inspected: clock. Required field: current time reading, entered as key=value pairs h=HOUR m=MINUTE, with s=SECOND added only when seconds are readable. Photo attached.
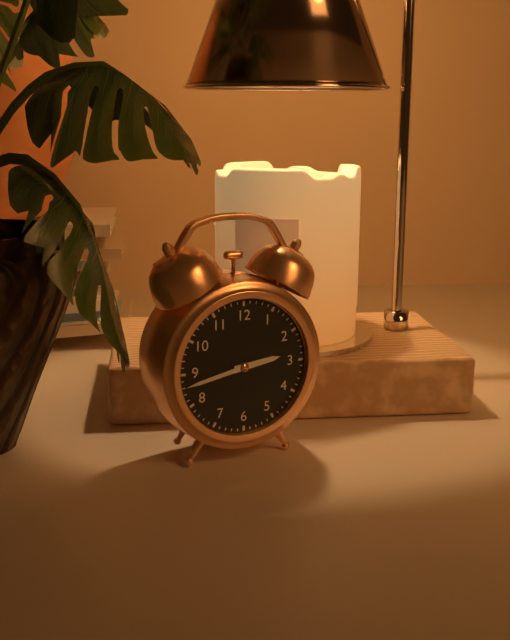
h=2 m=43
